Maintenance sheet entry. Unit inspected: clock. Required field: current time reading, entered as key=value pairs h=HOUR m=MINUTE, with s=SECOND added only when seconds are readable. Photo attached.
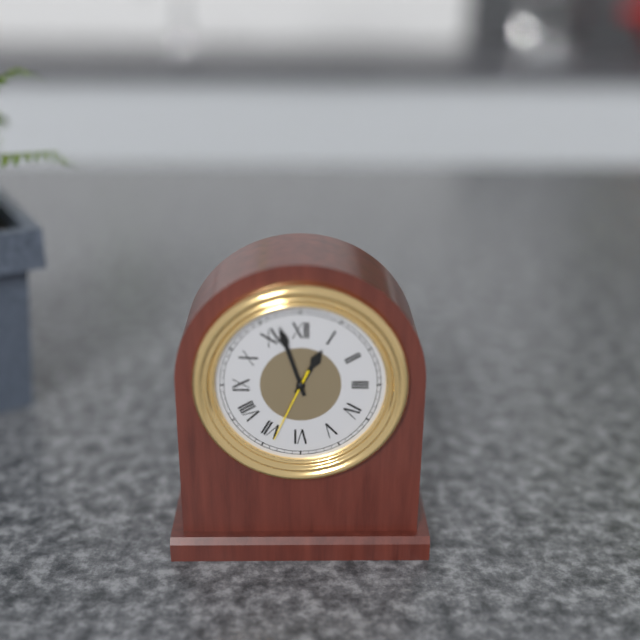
h=12 m=57 s=34
